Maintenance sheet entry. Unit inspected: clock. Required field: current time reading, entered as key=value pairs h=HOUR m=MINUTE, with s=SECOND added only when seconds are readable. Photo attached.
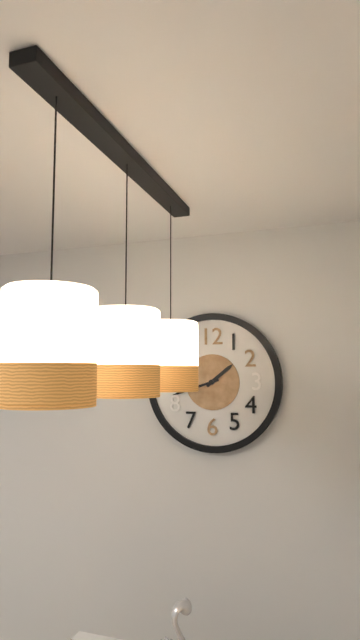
h=1 m=42
